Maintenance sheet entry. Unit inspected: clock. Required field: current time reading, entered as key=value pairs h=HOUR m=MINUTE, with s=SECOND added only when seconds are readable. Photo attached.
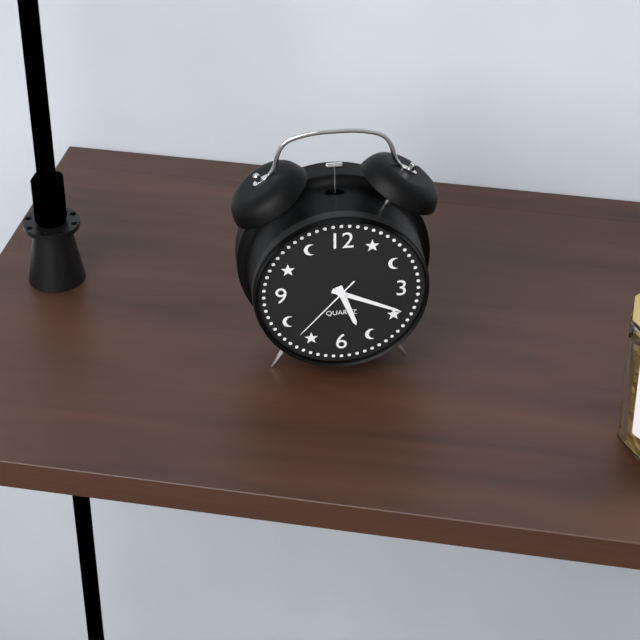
h=5 m=19 s=37
